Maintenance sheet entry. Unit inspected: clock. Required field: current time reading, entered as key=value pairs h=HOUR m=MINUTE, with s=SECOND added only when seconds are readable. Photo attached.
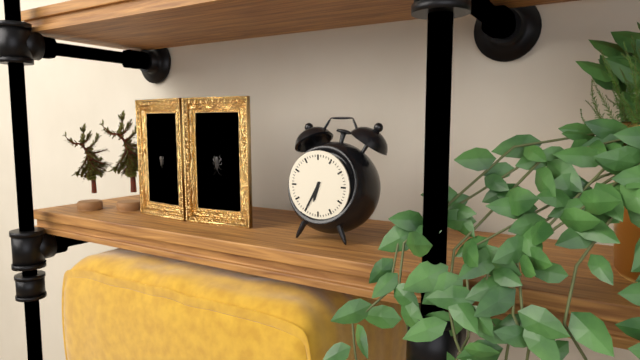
h=6 m=35
